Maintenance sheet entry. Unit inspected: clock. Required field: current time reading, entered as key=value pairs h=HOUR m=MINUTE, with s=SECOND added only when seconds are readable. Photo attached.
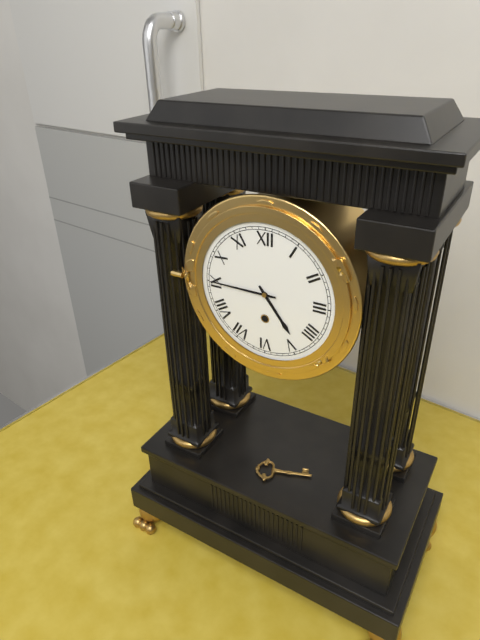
h=4 m=45
